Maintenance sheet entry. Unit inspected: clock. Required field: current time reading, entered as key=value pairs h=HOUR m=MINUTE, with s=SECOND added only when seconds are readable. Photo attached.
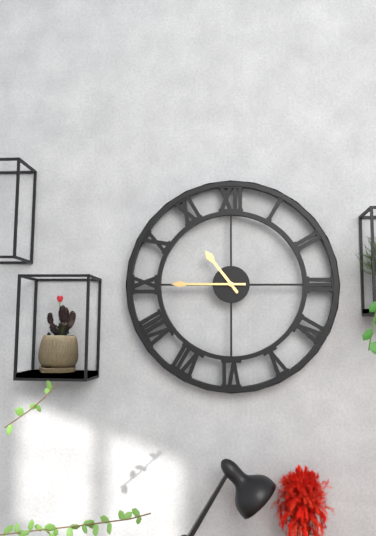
h=10 m=45
